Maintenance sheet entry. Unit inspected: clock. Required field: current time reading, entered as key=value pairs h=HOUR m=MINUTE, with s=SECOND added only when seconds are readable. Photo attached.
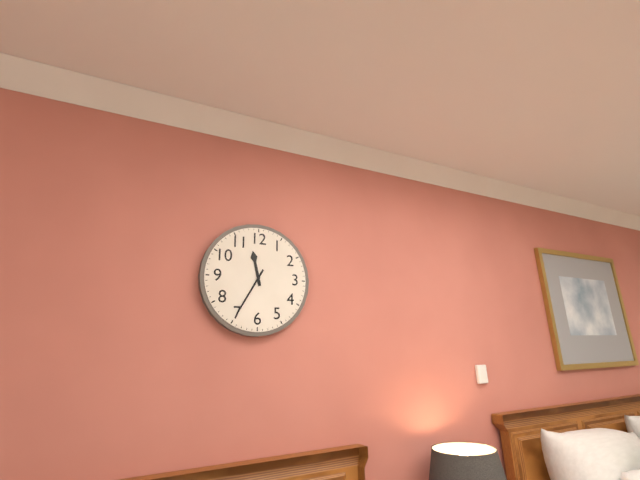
h=11 m=35
